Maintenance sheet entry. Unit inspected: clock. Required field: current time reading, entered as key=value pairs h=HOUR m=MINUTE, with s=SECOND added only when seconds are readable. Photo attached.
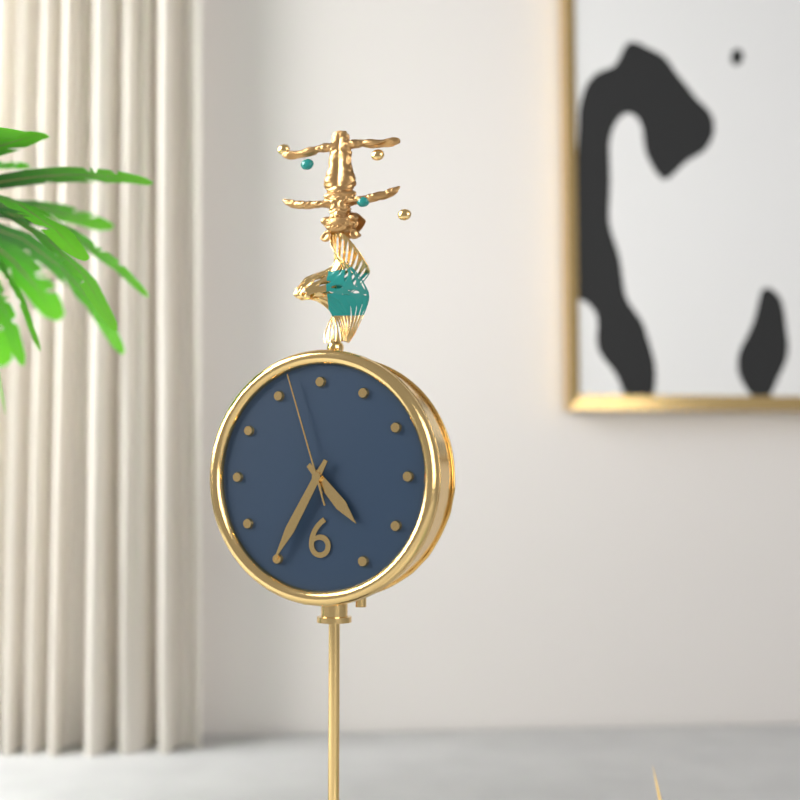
h=4 m=35 s=57
